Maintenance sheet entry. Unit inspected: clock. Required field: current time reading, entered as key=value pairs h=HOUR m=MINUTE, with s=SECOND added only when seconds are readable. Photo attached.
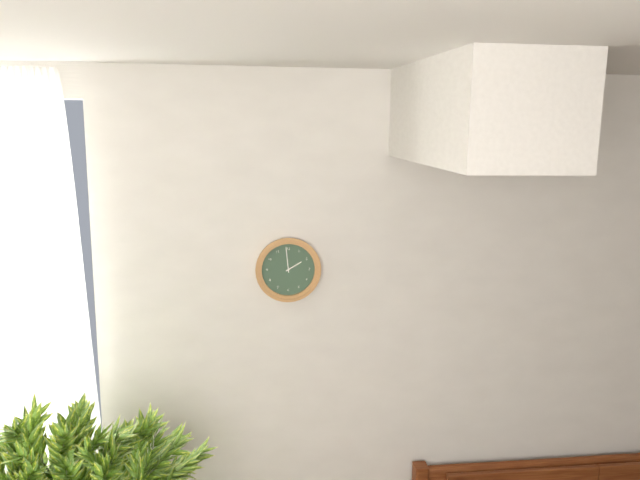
h=1 m=59
